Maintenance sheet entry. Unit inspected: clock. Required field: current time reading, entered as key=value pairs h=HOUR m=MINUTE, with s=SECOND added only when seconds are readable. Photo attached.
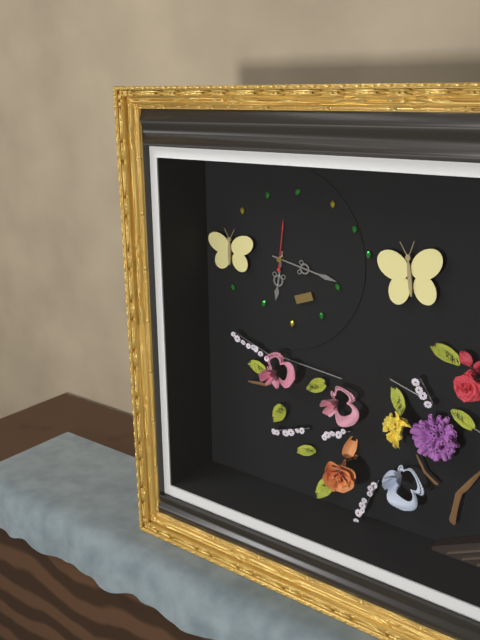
h=6 m=17 s=1
